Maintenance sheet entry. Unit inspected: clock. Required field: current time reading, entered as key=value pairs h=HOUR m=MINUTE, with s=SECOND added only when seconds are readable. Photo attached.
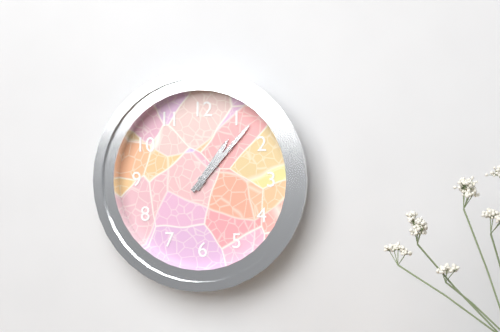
h=1 m=7
